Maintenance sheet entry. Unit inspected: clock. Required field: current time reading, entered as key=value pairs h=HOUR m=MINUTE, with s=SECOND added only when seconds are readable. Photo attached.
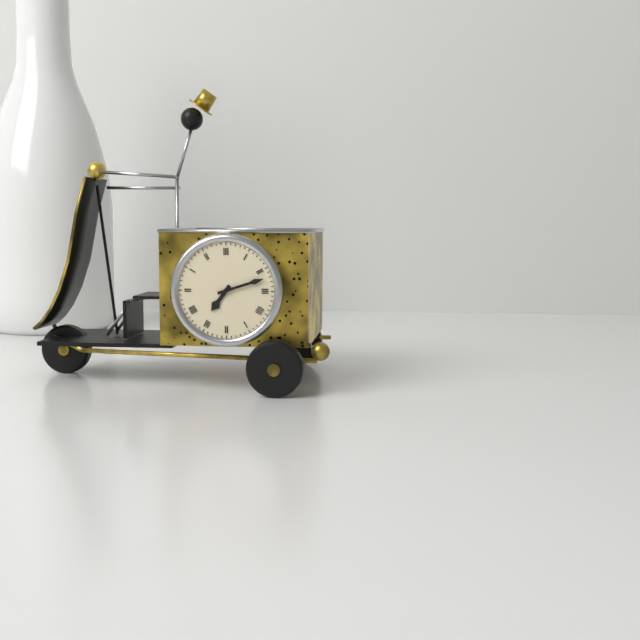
h=7 m=12
